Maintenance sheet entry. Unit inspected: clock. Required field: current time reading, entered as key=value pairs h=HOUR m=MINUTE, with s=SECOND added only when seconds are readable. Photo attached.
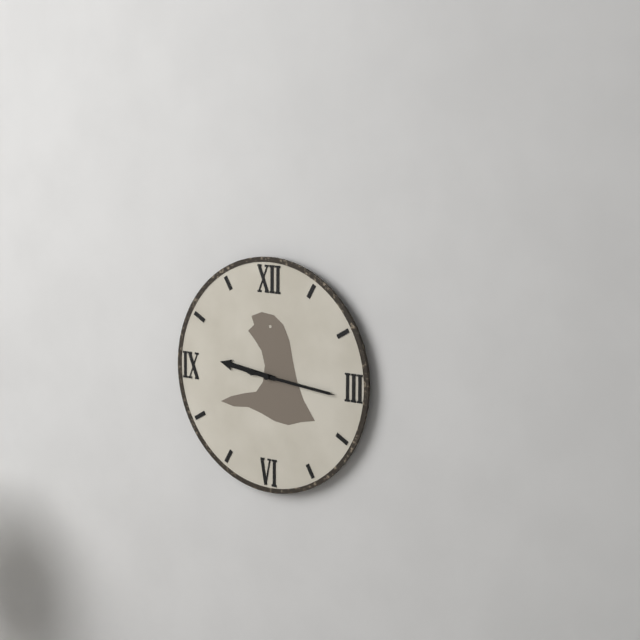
h=9 m=16
